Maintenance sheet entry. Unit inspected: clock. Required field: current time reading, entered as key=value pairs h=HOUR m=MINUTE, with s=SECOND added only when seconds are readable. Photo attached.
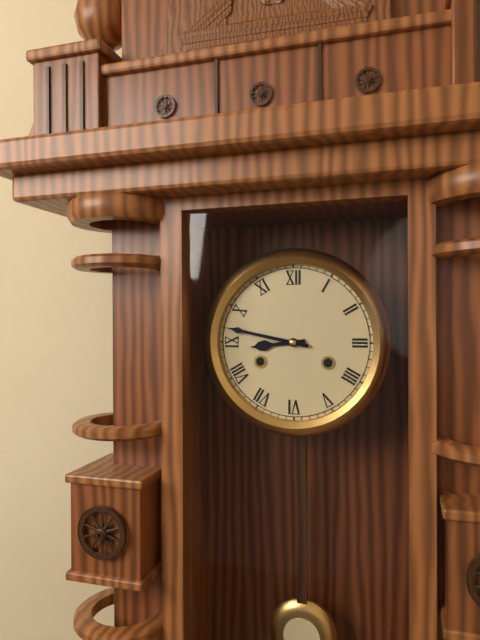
h=8 m=47
